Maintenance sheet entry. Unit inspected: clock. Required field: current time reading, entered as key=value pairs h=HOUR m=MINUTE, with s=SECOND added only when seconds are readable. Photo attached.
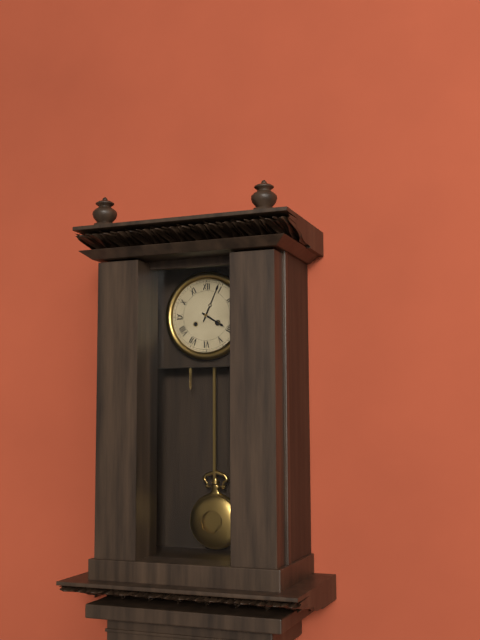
h=4 m=4
